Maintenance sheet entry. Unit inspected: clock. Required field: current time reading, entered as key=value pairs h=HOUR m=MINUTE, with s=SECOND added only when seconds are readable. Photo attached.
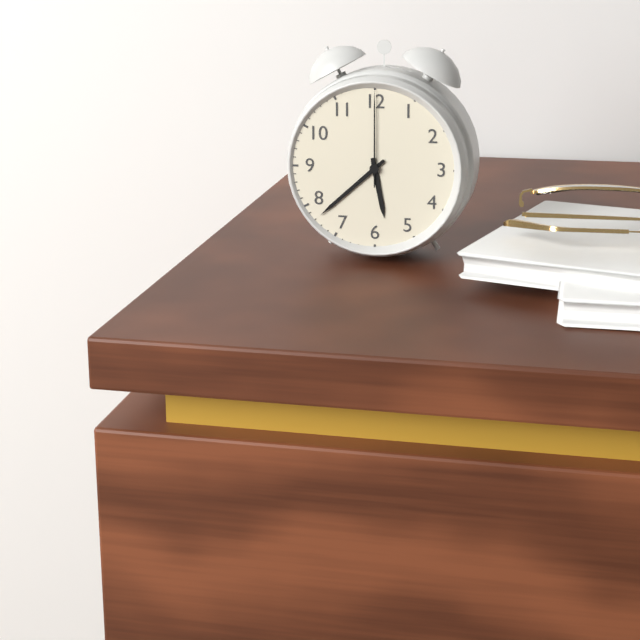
h=5 m=38 s=0
